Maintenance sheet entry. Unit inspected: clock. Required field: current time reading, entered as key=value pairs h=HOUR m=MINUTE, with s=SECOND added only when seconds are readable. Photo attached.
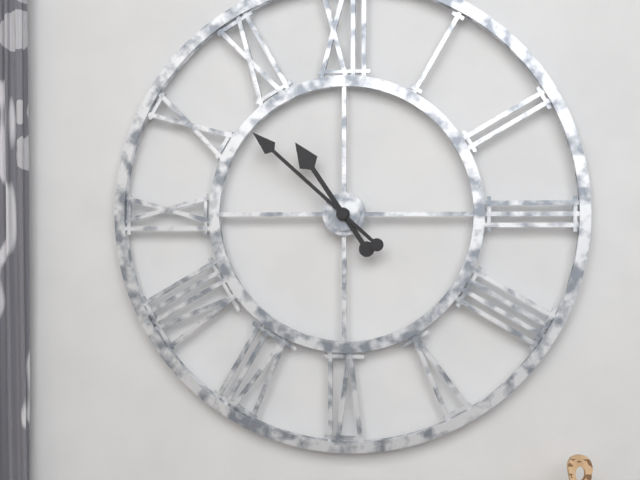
h=10 m=52
